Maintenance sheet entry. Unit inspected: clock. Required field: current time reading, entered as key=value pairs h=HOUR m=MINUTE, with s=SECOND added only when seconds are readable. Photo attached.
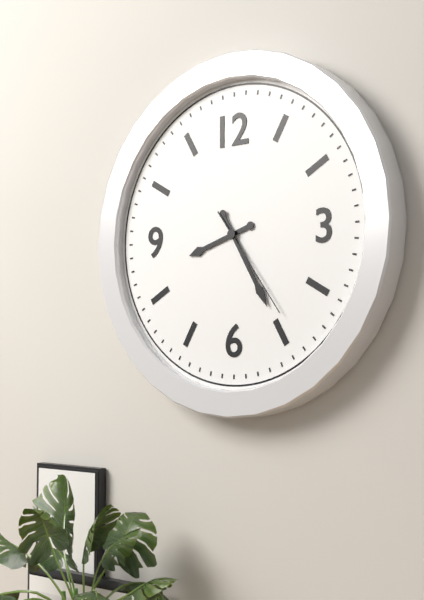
h=8 m=25 s=24
